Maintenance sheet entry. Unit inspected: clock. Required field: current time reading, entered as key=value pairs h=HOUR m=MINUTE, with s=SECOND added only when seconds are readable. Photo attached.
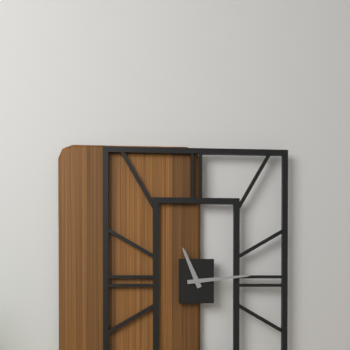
h=11 m=14
